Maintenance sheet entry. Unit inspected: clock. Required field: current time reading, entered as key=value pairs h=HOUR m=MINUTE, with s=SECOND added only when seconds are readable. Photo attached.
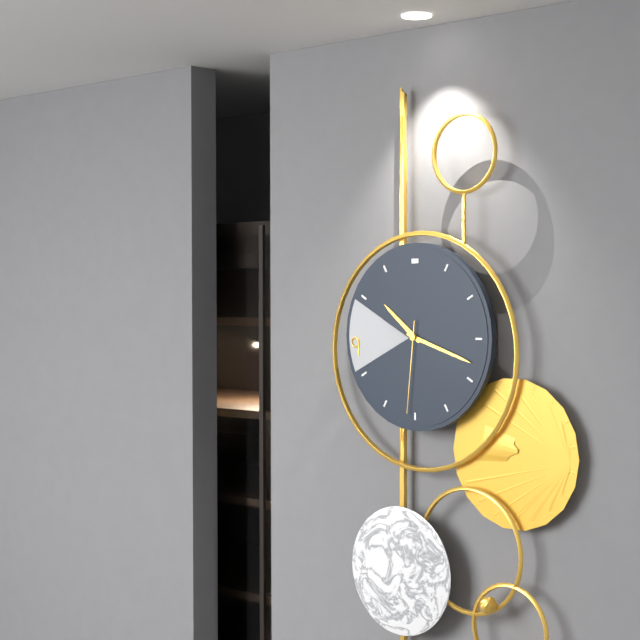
h=10 m=18 s=31
